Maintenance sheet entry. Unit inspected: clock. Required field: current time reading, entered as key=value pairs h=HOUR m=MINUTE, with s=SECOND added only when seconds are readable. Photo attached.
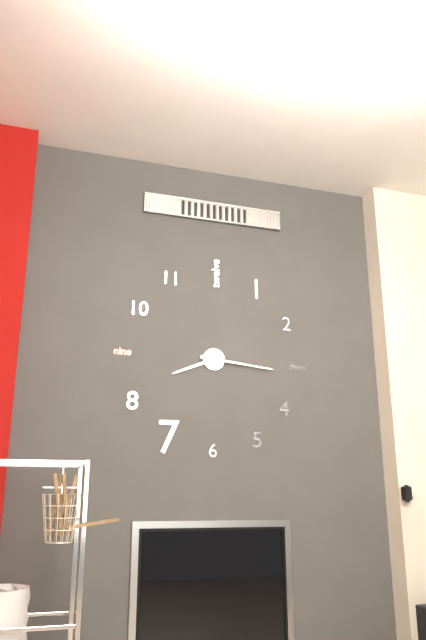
h=8 m=16
